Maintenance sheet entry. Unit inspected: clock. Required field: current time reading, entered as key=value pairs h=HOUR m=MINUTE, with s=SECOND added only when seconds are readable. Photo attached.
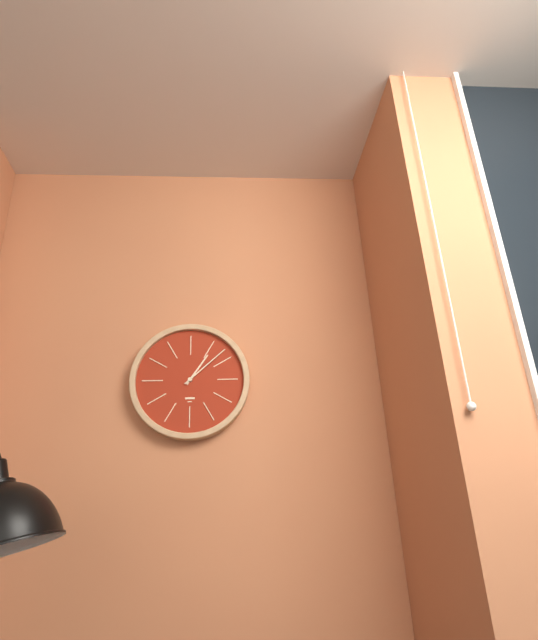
h=1 m=8
